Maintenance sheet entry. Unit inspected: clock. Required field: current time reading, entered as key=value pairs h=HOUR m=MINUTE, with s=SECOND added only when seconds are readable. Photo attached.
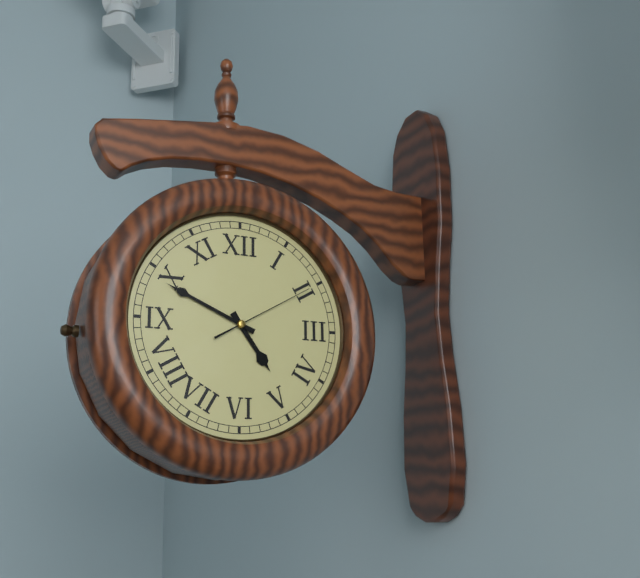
h=4 m=49 s=10
